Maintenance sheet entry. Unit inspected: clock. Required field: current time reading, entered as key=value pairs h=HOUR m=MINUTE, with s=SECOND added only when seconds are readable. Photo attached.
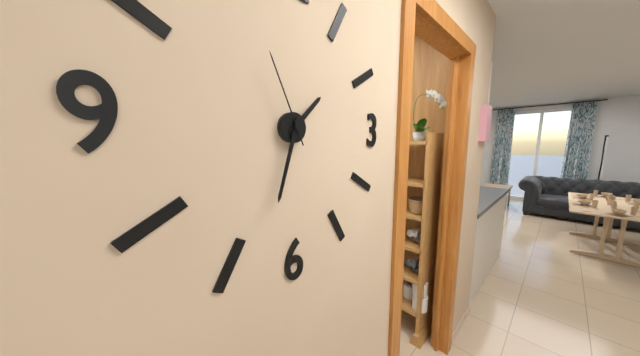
h=1 m=33 s=56
